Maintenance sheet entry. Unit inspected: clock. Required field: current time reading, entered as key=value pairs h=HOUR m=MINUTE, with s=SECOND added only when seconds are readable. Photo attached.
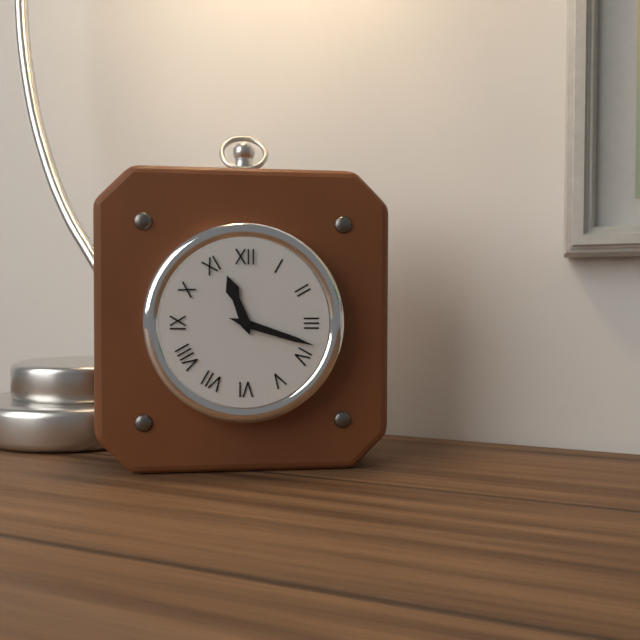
h=11 m=18
